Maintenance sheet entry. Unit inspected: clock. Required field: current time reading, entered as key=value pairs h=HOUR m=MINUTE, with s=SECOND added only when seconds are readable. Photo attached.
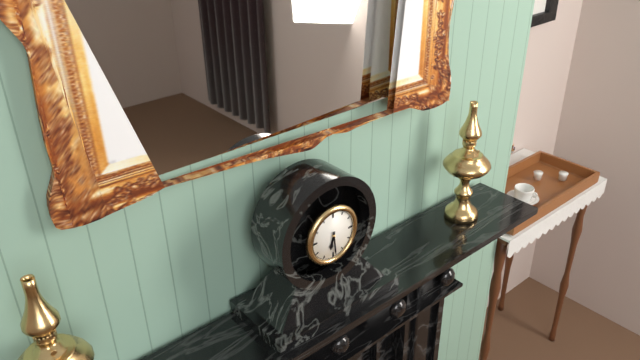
h=6 m=29
